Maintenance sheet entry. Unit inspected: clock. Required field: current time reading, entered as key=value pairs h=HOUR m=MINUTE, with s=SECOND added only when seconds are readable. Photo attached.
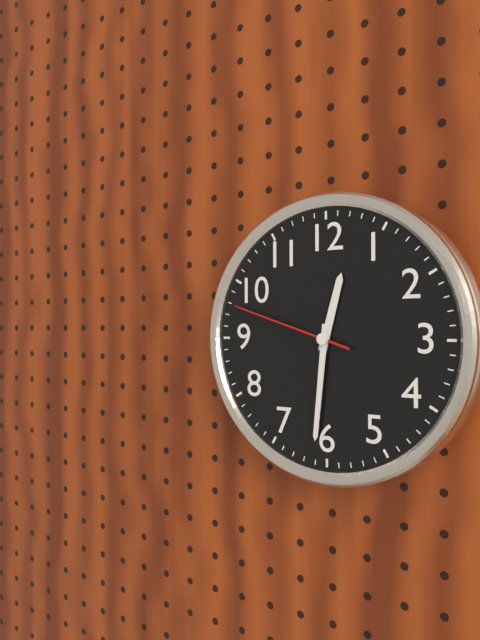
h=12 m=31 s=48
